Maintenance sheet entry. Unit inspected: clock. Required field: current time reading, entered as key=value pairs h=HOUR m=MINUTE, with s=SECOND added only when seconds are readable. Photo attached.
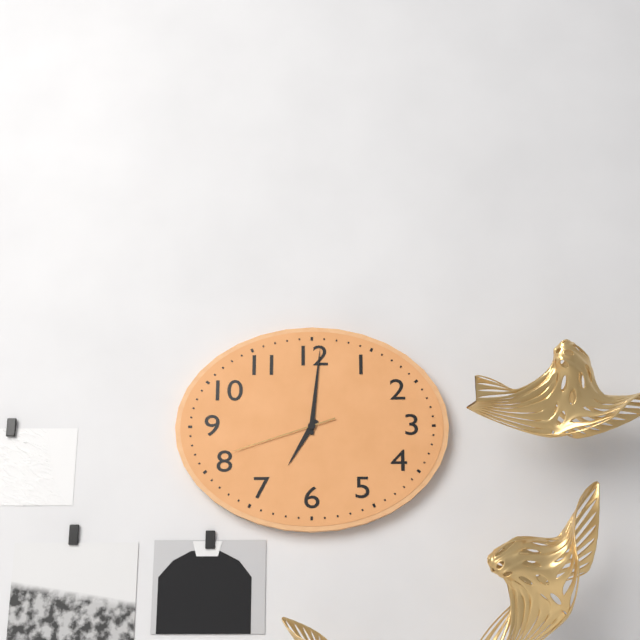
h=7 m=1 s=42
